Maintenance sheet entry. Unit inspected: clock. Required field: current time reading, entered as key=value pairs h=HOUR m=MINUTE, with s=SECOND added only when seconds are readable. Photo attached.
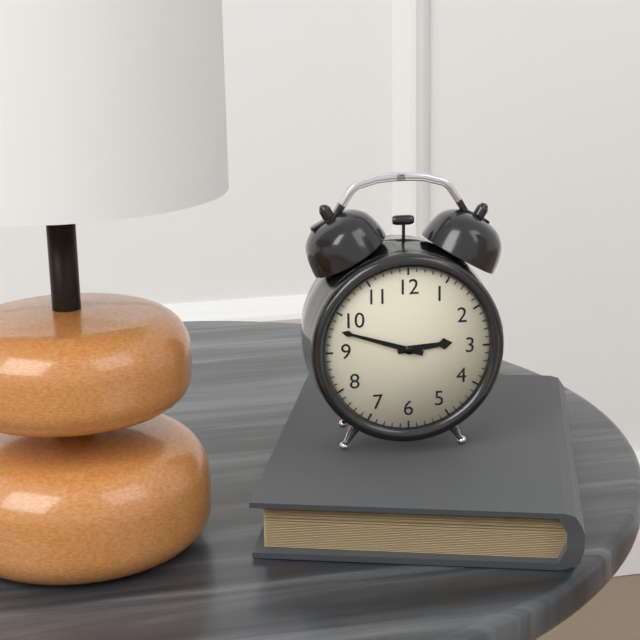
h=2 m=48
